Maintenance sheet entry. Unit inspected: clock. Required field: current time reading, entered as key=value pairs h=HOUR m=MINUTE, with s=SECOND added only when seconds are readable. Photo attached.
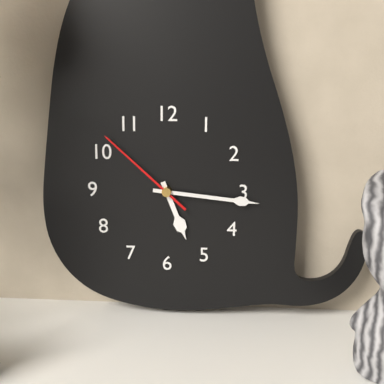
h=5 m=16 s=52
